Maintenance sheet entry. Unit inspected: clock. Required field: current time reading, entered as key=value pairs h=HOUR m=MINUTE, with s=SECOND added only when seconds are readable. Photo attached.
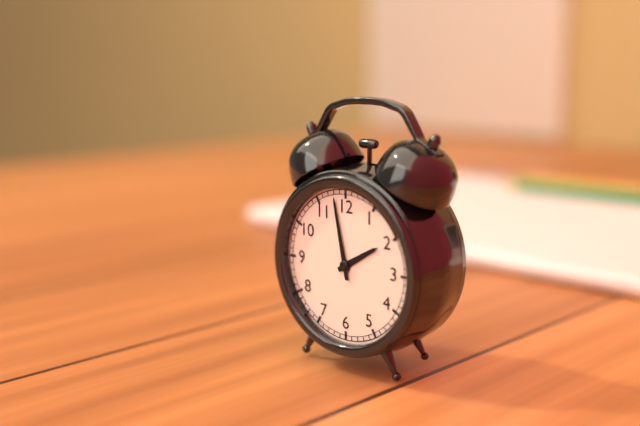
h=1 m=58
